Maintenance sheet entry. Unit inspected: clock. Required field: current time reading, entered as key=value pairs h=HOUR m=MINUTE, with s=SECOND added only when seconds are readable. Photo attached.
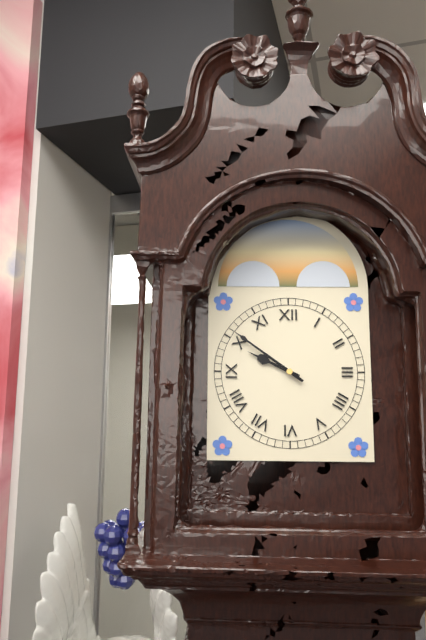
h=9 m=51
